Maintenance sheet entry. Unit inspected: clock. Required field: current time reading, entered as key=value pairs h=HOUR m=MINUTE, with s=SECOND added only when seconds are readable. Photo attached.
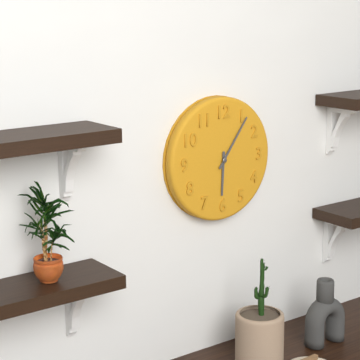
h=6 m=6
